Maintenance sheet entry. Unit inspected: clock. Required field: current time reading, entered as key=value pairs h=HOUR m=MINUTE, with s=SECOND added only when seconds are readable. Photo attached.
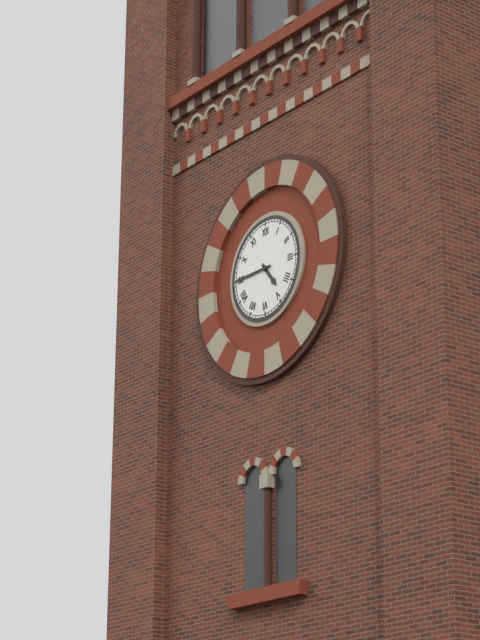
h=4 m=45
